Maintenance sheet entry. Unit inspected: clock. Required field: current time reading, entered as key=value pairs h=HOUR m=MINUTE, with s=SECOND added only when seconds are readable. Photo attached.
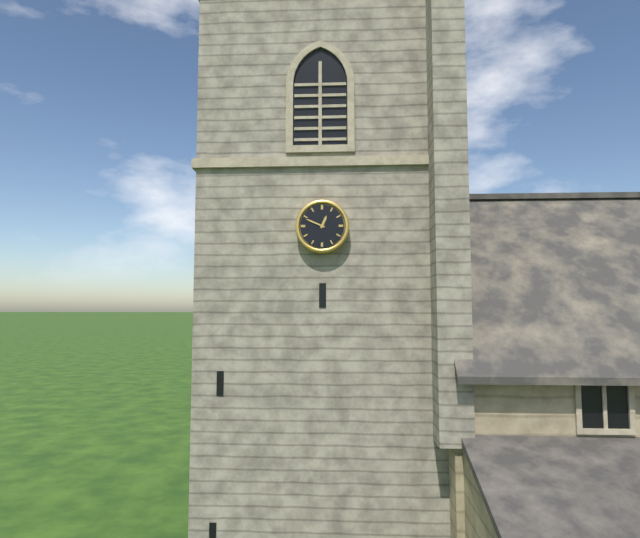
h=12 m=49
